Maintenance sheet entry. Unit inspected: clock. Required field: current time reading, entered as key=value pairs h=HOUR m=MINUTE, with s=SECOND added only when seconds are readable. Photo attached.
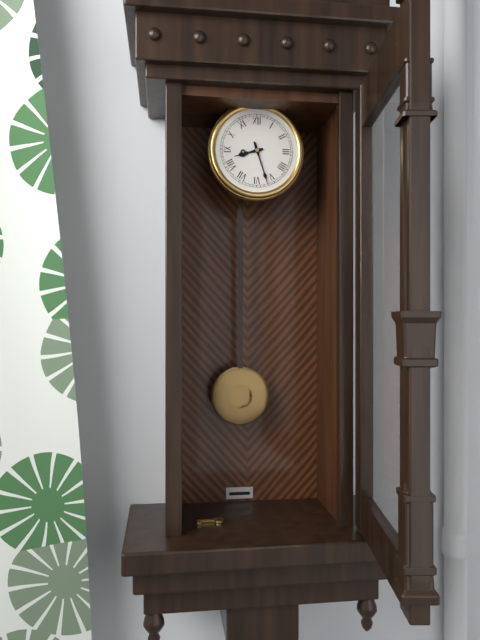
h=8 m=27
